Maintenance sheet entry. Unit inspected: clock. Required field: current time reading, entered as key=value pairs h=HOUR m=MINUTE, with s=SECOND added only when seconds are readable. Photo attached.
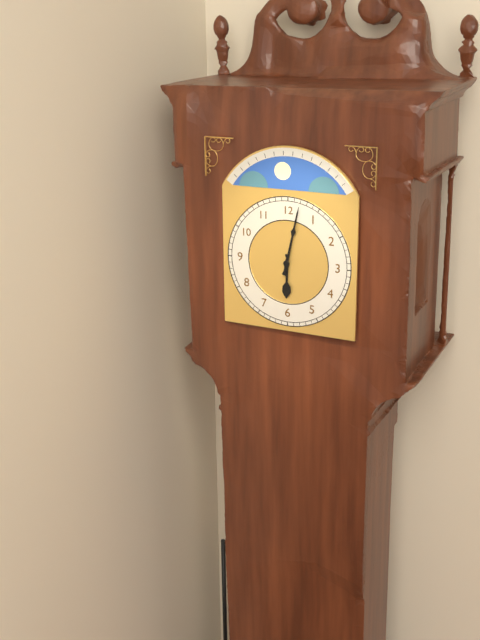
h=6 m=2
